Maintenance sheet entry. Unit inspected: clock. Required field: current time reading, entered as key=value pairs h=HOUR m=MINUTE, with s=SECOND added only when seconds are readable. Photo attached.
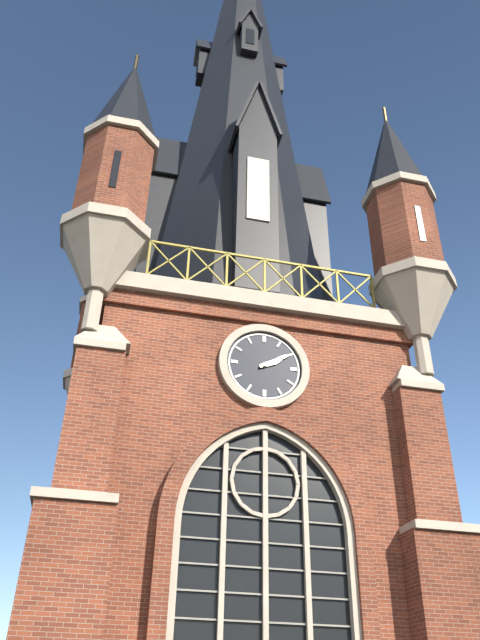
h=2 m=10
